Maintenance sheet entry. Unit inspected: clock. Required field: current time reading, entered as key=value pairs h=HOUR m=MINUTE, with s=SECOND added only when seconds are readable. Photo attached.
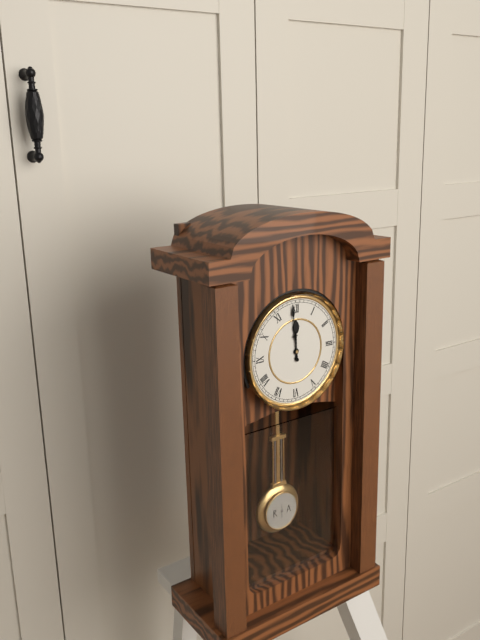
h=11 m=59
